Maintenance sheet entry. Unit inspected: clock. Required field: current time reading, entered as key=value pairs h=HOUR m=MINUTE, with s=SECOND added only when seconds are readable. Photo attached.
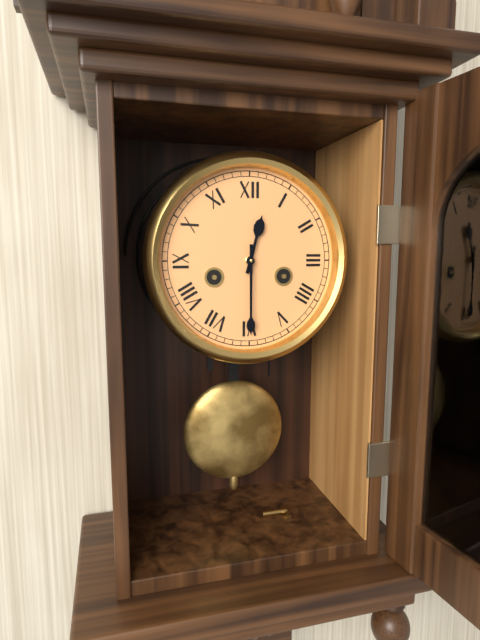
h=12 m=30
